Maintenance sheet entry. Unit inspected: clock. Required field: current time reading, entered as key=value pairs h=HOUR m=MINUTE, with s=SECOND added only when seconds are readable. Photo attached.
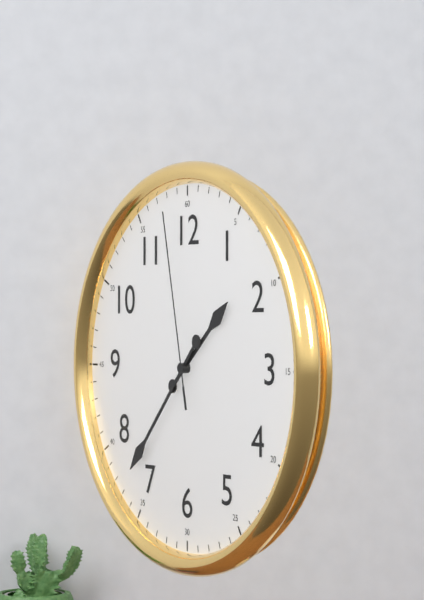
h=1 m=37 s=58
